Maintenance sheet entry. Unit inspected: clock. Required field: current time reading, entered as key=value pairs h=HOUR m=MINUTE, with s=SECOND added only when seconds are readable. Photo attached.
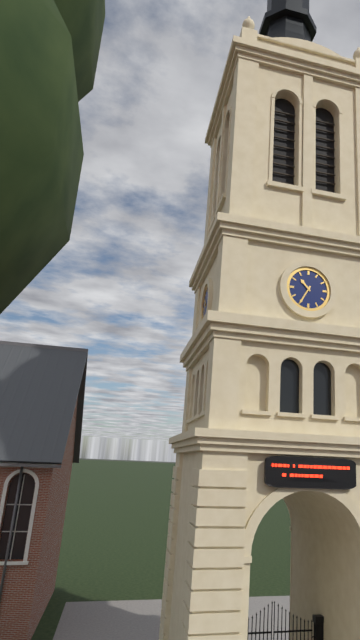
h=10 m=35
